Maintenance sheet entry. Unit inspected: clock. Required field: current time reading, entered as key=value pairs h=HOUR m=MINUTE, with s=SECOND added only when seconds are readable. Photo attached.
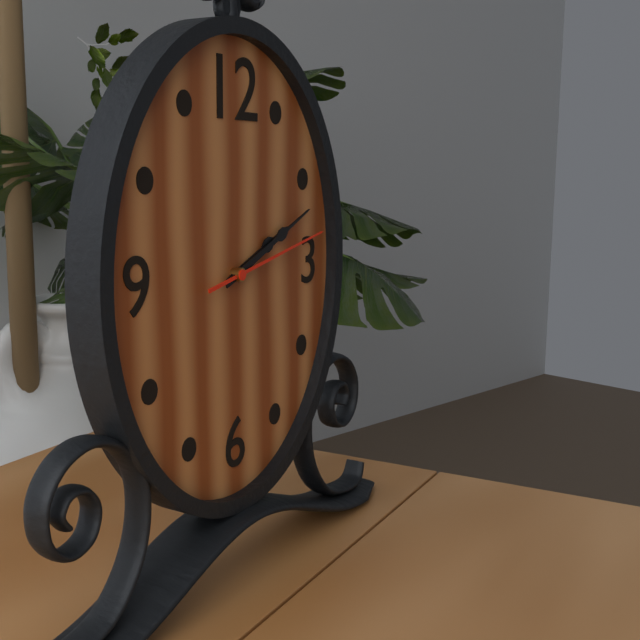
h=2 m=11 s=13
